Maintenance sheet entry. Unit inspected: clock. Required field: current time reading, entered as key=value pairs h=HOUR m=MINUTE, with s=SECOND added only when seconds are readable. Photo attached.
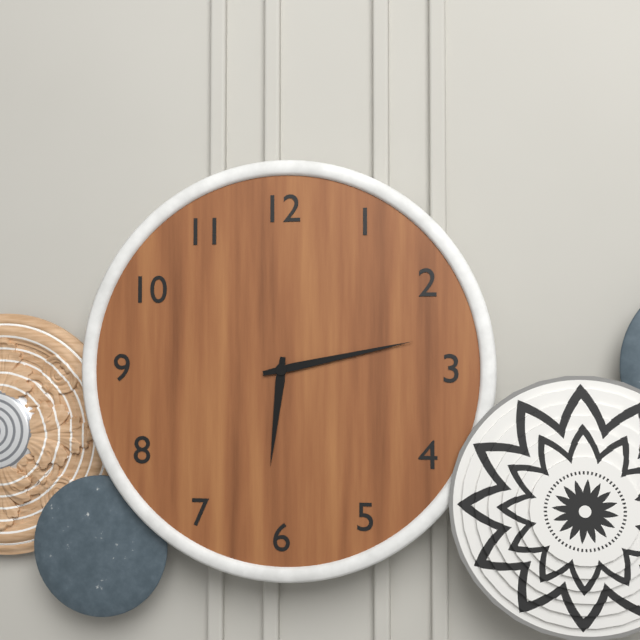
h=6 m=13
